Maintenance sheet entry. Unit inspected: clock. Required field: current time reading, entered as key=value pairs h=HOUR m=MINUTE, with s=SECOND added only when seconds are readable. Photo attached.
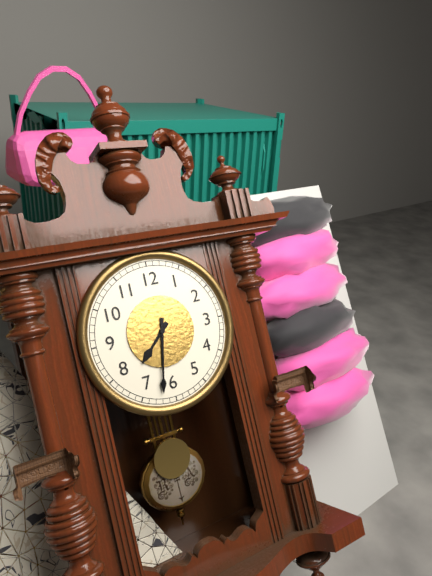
h=7 m=32
